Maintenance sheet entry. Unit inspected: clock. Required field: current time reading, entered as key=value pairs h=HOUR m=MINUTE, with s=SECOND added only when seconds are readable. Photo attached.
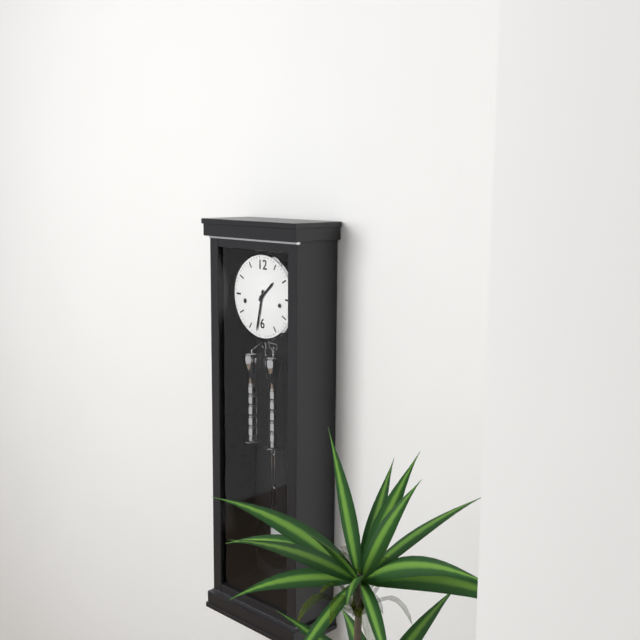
h=1 m=32
